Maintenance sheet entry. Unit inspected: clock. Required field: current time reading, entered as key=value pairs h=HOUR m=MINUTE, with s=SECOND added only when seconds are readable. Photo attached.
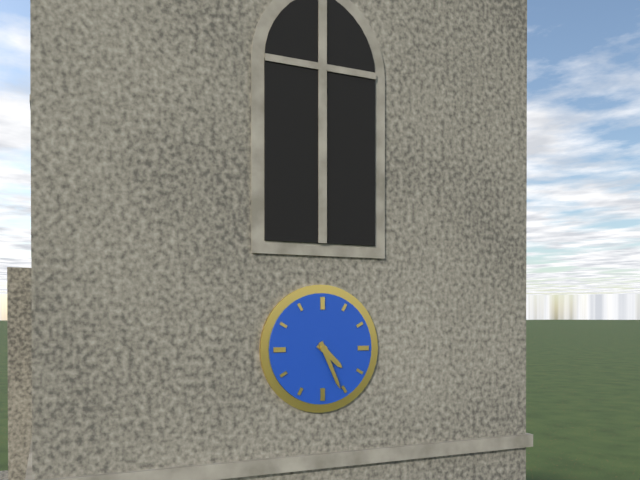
h=4 m=26
